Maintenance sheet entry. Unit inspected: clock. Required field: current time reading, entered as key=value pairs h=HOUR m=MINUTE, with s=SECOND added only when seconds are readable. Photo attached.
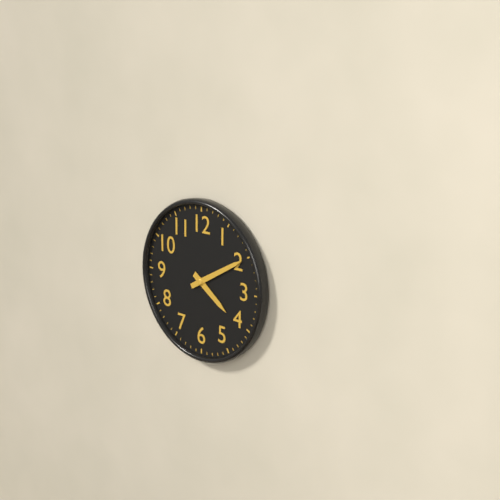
h=4 m=10
